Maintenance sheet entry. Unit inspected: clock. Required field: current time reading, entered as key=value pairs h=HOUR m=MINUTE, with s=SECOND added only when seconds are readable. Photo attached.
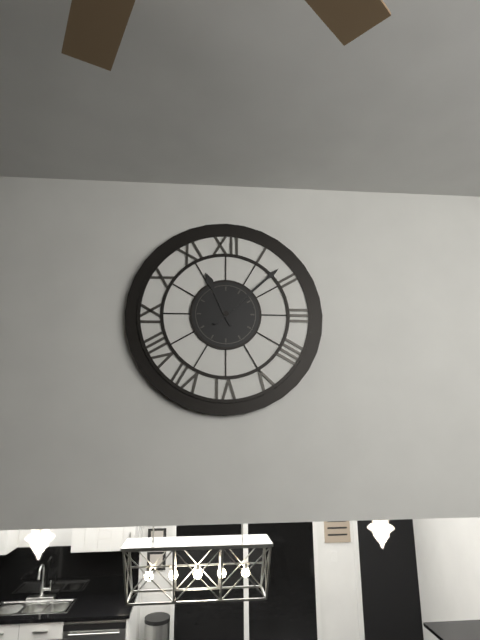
h=11 m=8
